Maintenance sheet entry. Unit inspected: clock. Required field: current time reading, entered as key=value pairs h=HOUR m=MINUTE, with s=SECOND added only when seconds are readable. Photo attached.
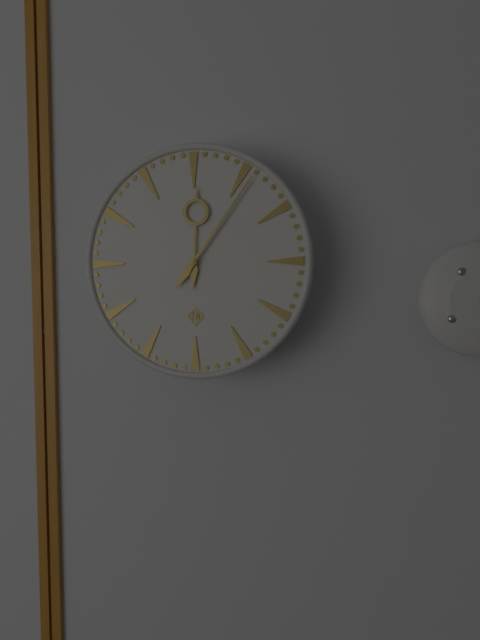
h=12 m=6
